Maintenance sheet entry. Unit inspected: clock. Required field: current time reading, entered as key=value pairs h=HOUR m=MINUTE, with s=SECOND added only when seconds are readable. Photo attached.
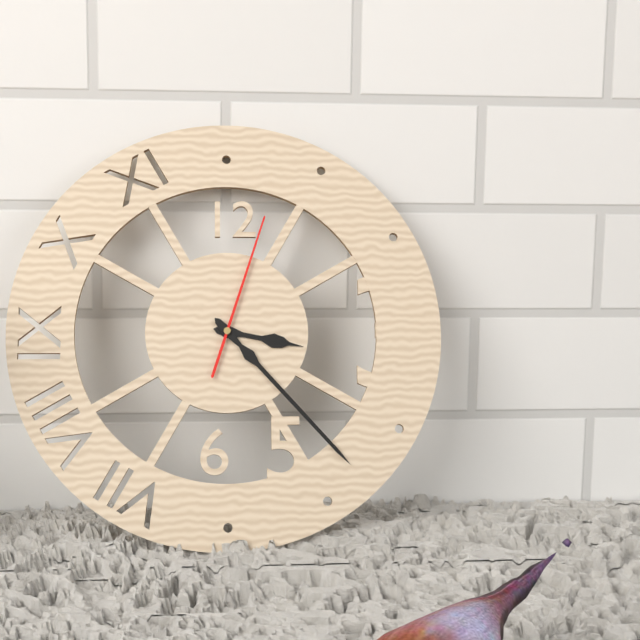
h=3 m=23 s=3
